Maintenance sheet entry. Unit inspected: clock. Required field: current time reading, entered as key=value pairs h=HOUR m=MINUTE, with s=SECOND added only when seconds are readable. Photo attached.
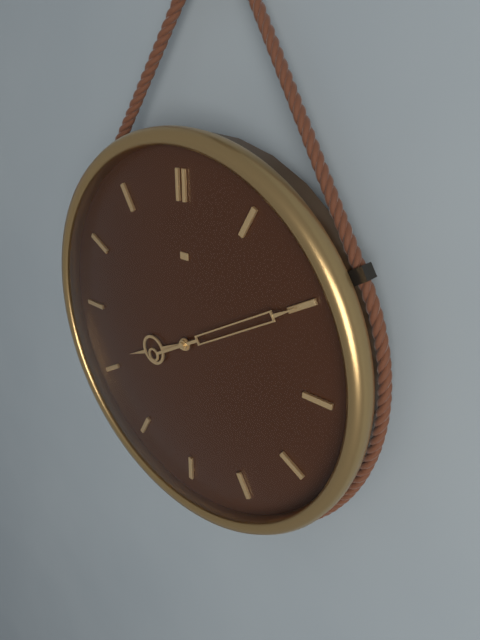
h=8 m=10
